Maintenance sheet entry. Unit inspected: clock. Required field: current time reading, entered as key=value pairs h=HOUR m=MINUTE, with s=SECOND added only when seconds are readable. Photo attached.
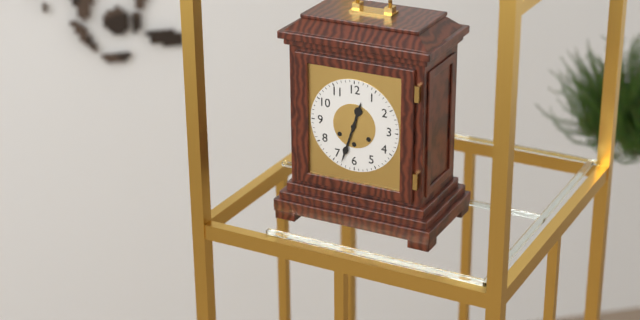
h=12 m=33
